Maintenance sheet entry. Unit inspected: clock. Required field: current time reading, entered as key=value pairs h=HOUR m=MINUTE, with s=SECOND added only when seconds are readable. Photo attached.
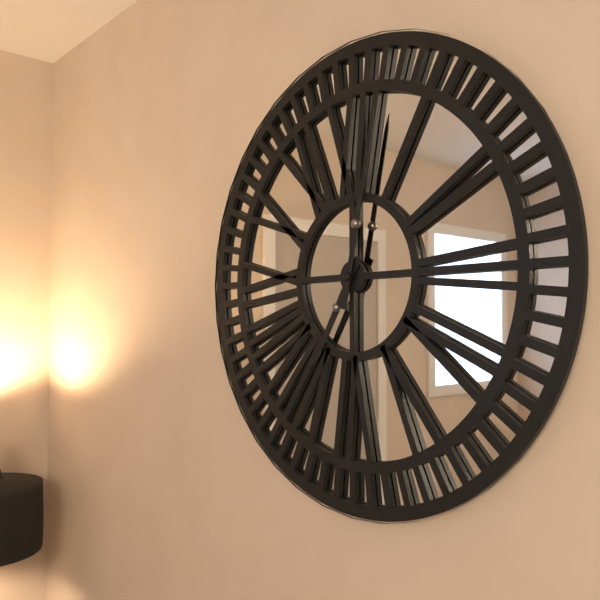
h=7 m=2
